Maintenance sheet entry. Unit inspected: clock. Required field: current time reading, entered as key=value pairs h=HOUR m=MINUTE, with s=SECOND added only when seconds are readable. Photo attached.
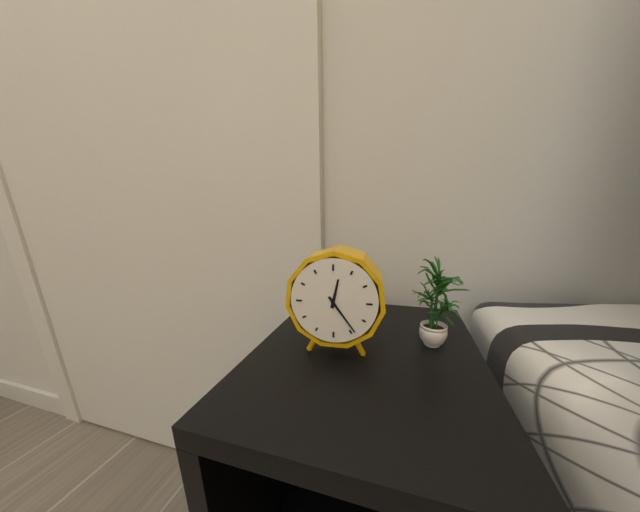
h=12 m=24
